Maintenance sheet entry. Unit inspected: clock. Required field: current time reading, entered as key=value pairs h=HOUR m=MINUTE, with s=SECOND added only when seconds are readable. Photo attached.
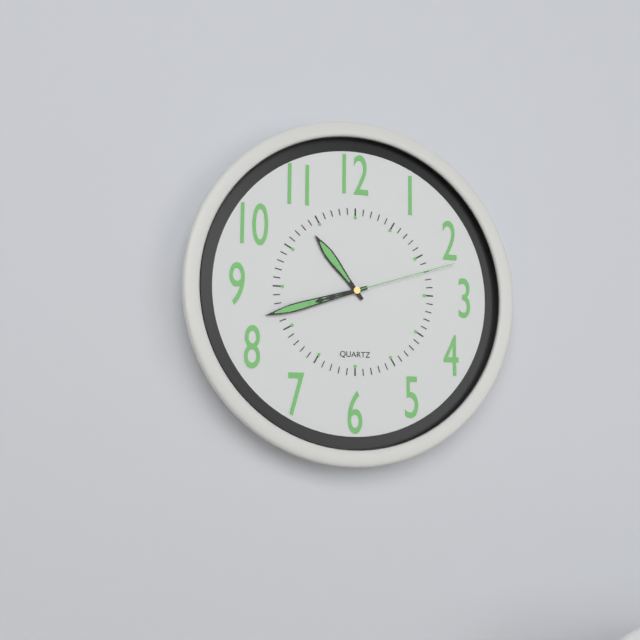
h=10 m=42 s=12
